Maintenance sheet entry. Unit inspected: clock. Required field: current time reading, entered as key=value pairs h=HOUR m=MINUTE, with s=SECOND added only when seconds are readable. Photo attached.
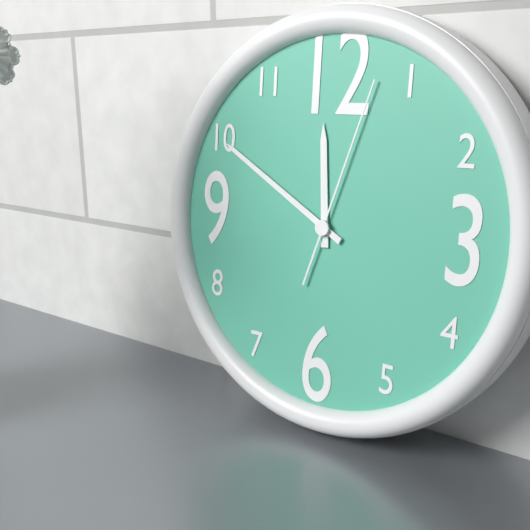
h=11 m=50 s=3
